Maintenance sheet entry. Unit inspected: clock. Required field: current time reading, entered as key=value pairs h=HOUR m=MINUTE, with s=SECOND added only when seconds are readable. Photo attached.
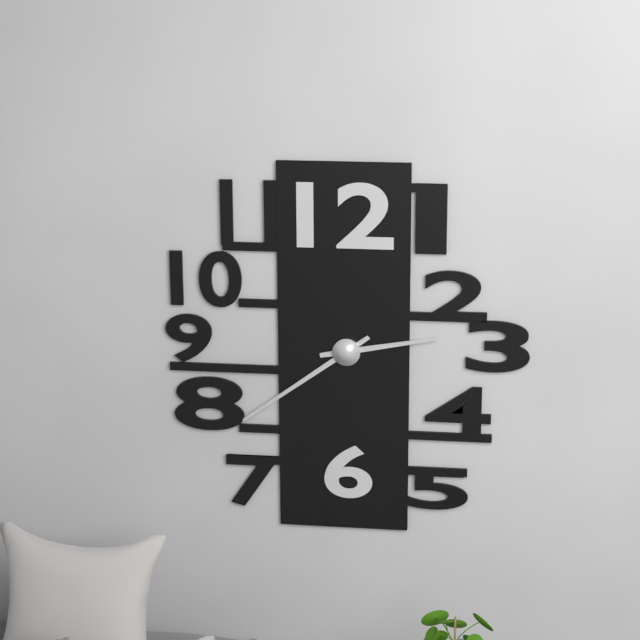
h=2 m=39
